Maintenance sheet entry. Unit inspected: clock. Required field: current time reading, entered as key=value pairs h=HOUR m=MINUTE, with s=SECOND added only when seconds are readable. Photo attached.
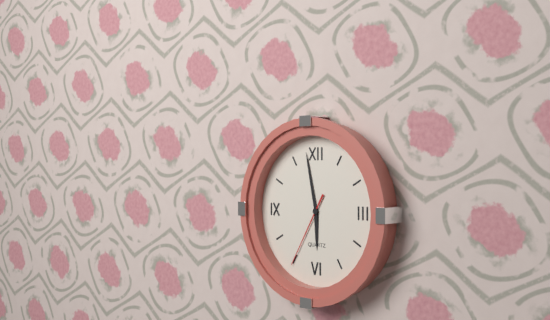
h=5 m=58 s=35
